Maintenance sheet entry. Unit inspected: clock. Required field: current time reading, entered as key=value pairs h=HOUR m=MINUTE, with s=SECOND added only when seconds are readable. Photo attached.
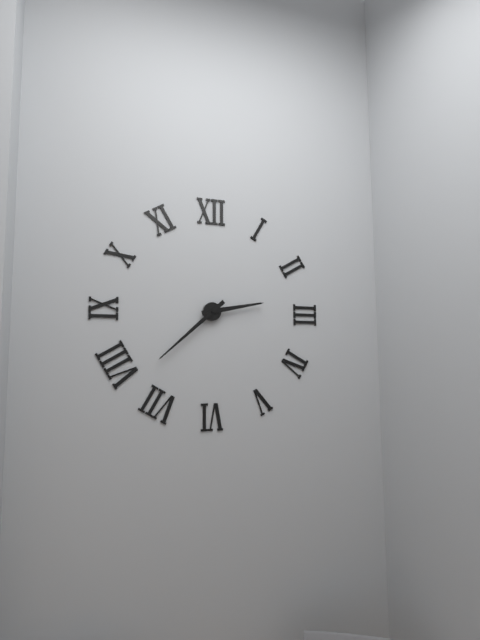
h=2 m=38
